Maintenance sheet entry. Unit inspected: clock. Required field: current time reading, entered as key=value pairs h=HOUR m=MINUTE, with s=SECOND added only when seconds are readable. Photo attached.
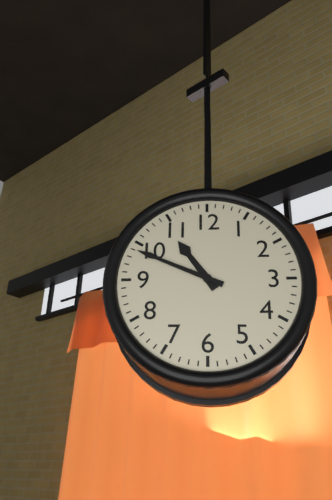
h=10 m=49
